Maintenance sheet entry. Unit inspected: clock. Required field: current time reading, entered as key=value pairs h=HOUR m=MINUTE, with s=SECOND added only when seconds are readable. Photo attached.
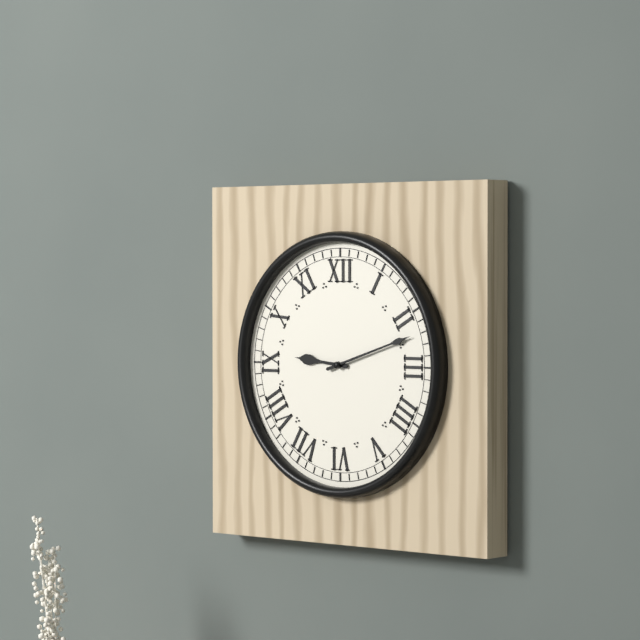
h=9 m=12
